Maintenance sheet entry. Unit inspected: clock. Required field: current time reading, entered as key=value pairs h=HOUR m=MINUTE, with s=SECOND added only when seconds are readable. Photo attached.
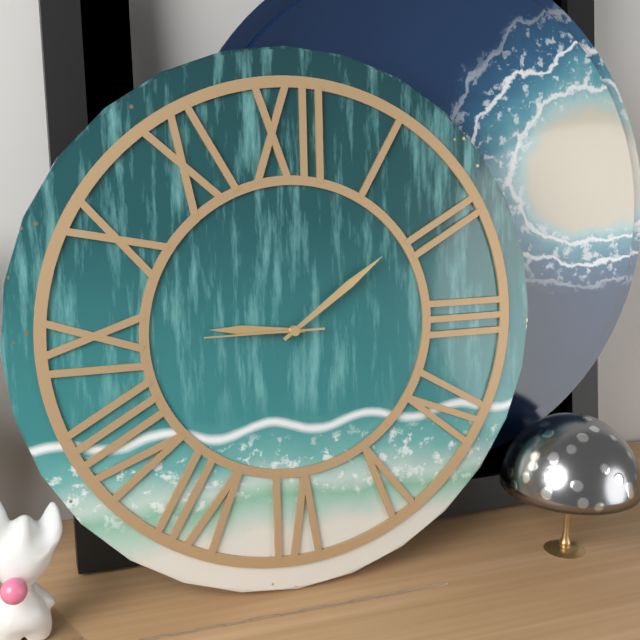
h=9 m=9 s=45
